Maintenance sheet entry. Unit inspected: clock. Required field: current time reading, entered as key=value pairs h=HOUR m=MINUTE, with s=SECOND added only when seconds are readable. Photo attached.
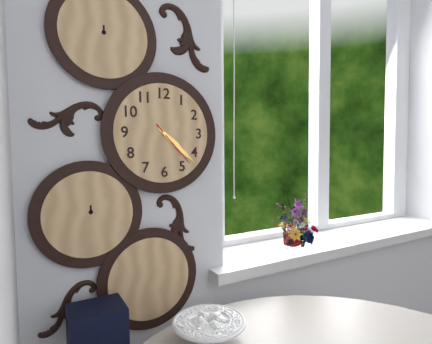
h=4 m=22
